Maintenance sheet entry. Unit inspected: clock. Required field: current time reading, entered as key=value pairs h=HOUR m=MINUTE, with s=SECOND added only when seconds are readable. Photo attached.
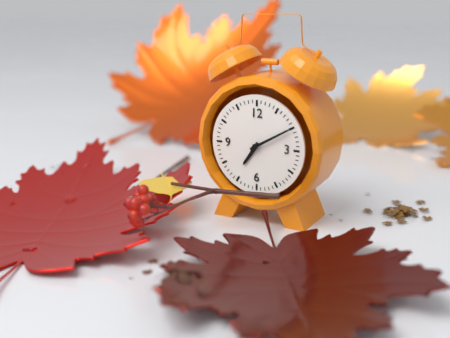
h=7 m=10
